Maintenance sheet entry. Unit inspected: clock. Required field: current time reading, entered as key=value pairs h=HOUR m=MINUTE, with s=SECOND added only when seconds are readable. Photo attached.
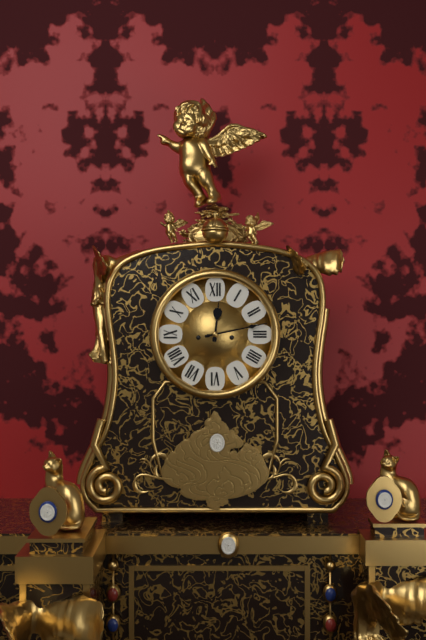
h=12 m=13
